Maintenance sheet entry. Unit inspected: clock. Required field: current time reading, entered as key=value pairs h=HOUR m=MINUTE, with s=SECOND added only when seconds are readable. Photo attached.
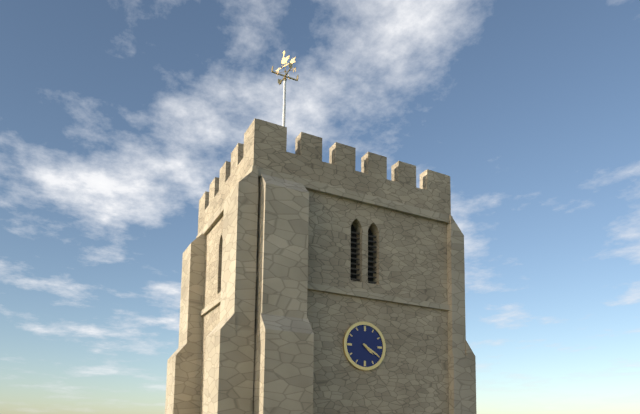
h=4 m=20
